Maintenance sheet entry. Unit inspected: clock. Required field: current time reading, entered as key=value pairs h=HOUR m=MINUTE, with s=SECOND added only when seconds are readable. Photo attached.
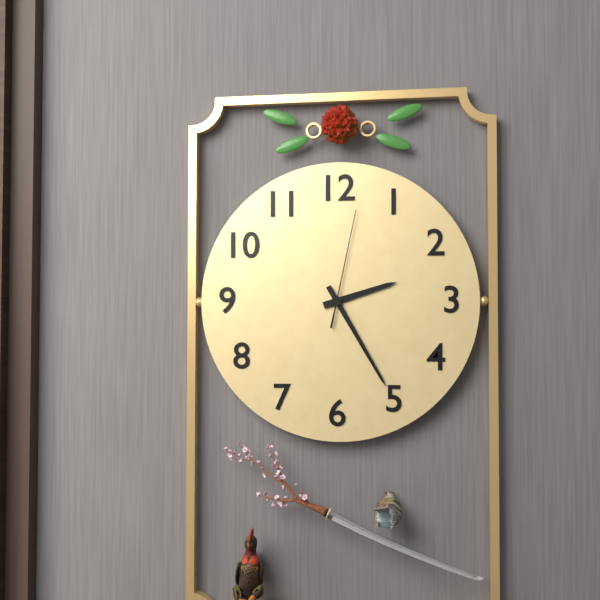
h=2 m=25 s=2
